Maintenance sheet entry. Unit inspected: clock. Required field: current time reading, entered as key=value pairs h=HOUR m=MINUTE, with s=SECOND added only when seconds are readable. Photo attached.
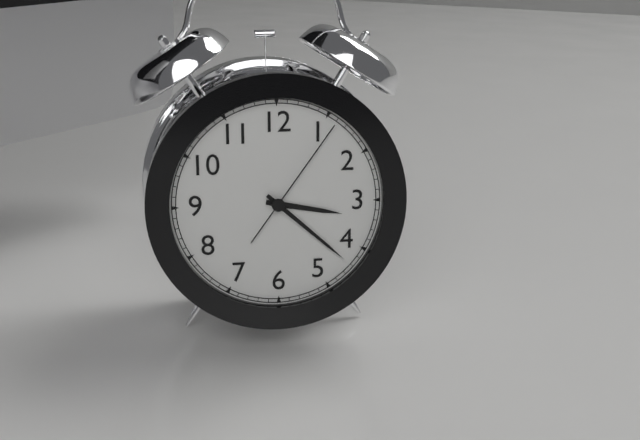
h=3 m=22 s=6
